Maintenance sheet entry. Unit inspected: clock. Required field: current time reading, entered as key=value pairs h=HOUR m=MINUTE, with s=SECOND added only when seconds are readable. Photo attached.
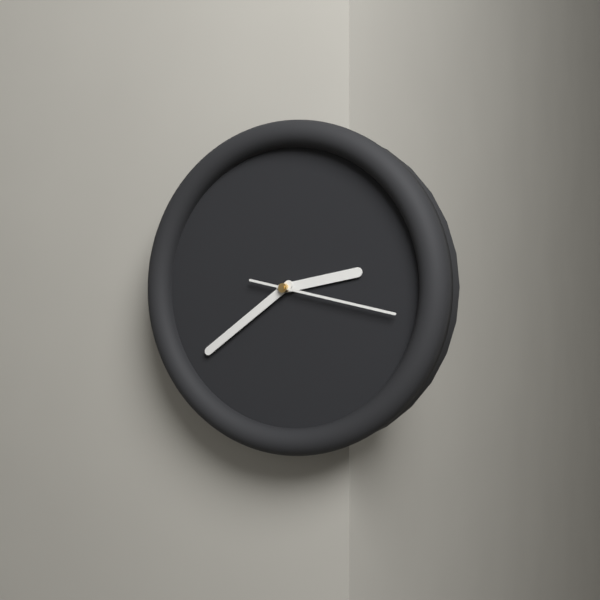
h=2 m=39 s=17
